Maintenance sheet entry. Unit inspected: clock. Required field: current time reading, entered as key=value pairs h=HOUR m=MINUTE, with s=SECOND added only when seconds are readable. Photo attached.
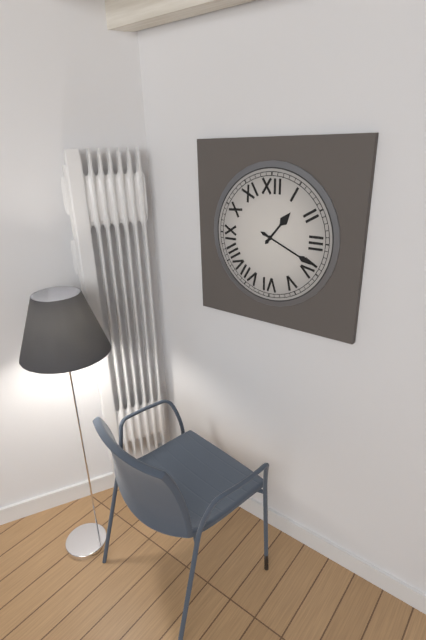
h=1 m=19
